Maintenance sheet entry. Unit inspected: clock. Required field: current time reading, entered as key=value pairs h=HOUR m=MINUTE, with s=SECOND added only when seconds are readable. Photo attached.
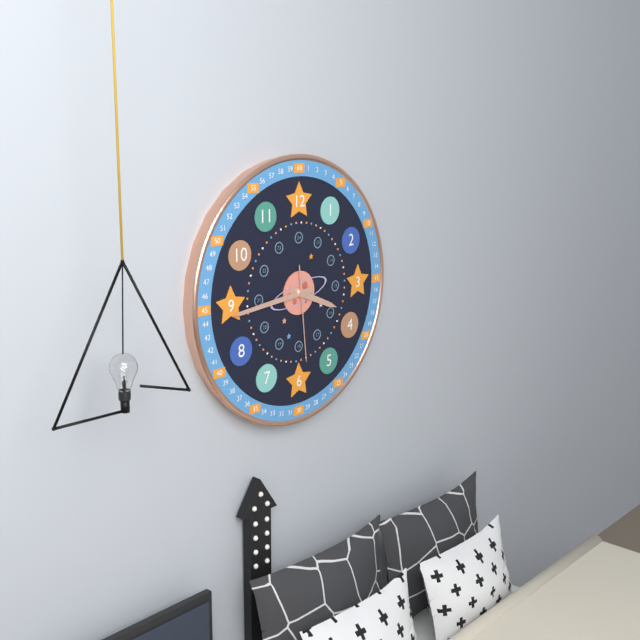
h=3 m=44 s=29
